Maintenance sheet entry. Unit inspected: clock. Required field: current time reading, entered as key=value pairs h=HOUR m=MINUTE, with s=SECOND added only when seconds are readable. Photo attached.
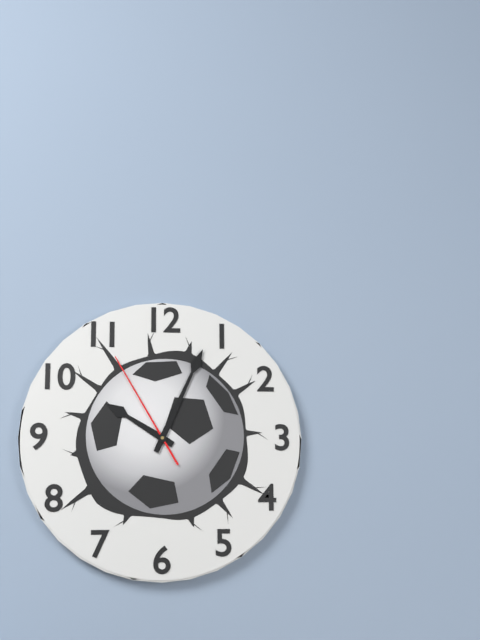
h=10 m=4 s=55
